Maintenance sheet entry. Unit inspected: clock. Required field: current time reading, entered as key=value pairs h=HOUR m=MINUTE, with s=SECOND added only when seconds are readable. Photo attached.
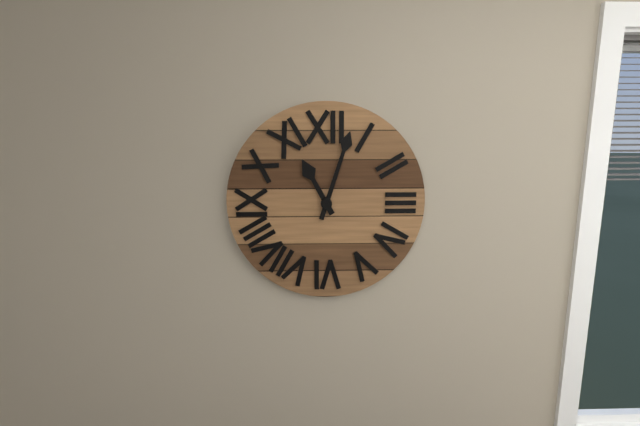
h=11 m=3
